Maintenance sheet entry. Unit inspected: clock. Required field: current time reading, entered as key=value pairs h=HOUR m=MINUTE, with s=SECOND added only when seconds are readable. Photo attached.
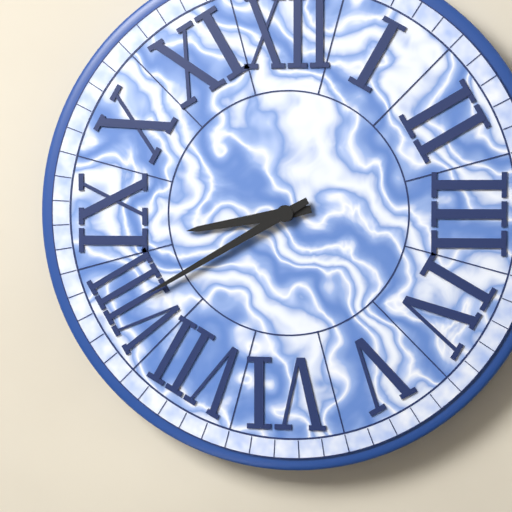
h=8 m=40
